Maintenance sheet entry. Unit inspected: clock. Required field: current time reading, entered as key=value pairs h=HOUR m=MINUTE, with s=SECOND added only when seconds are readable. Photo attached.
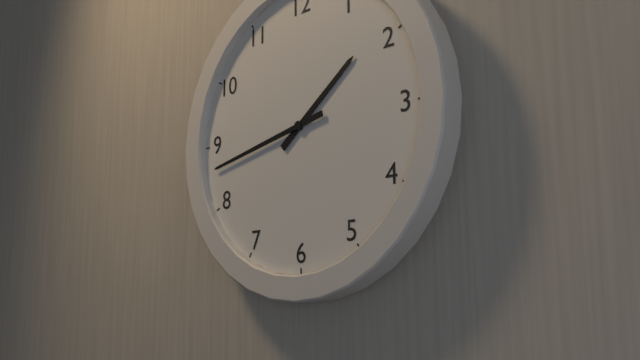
h=1 m=43
